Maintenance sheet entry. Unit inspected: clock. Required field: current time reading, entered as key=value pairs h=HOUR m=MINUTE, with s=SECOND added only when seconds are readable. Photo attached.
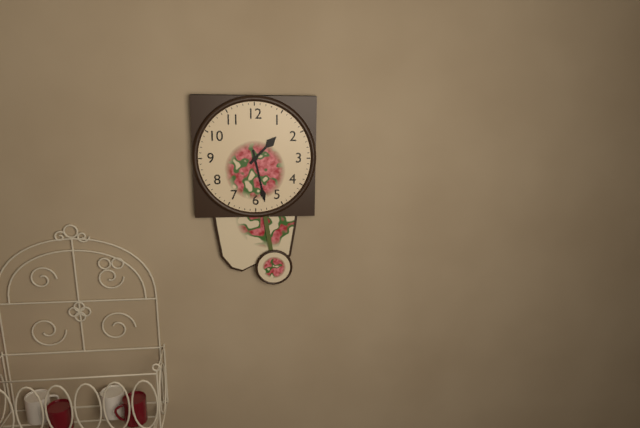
h=1 m=28
